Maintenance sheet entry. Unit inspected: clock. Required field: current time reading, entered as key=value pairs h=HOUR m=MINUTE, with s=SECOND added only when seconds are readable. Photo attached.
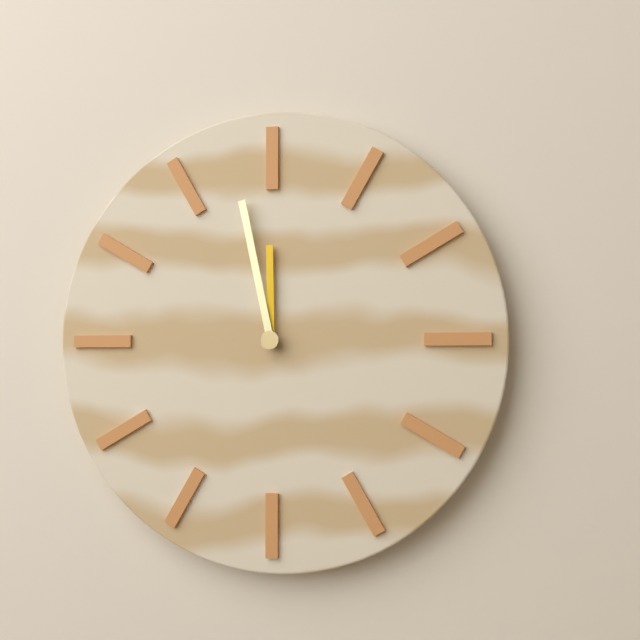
h=11 m=58
